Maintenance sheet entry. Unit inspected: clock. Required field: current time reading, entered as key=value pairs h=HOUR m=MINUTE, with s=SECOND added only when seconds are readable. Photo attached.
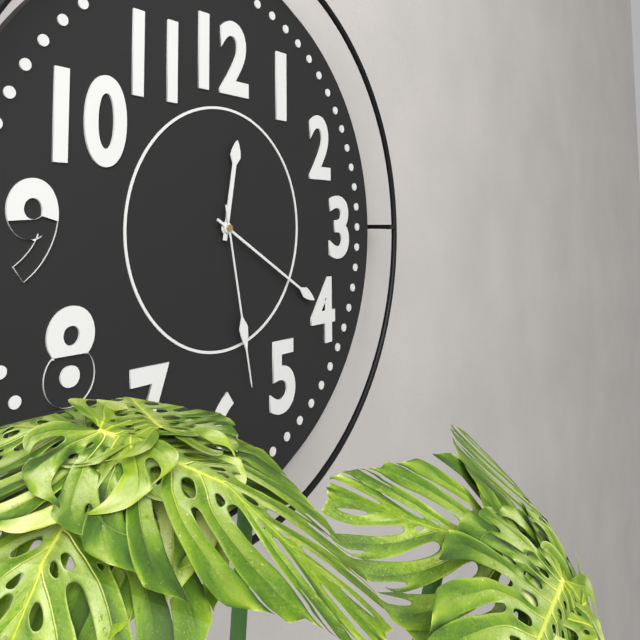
h=12 m=20 s=28
